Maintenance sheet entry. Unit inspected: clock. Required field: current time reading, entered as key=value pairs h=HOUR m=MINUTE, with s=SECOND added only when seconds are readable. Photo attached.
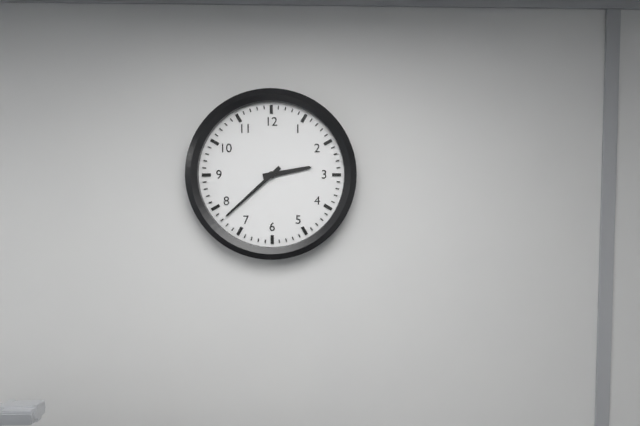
h=2 m=38
